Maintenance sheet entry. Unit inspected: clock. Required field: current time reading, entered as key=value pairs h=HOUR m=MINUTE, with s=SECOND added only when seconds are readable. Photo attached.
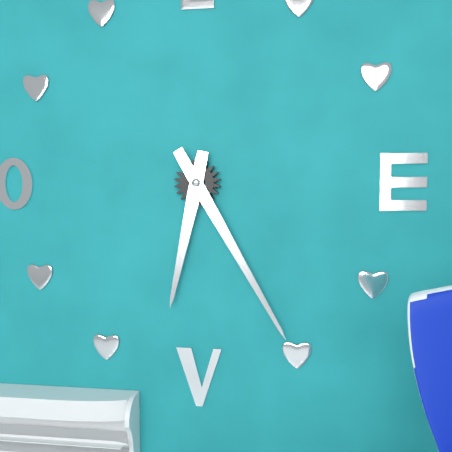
h=6 m=25
